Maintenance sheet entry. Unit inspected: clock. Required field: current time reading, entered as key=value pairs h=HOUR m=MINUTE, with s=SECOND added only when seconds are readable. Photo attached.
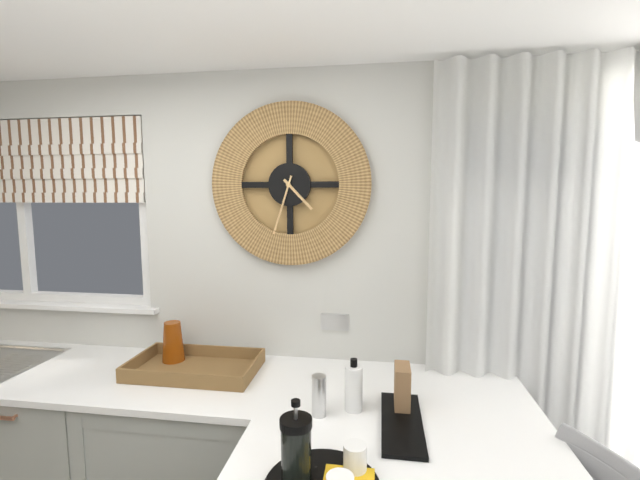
h=4 m=33
